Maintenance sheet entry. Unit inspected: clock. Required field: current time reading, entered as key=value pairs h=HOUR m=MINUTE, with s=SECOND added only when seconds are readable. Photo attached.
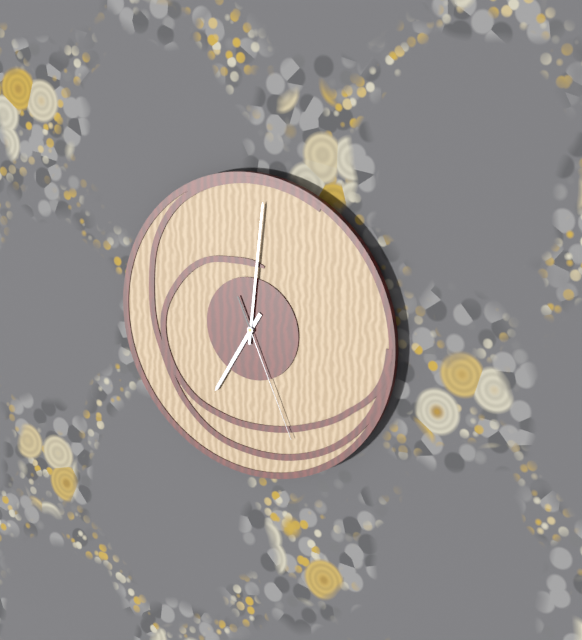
h=7 m=1 s=26
